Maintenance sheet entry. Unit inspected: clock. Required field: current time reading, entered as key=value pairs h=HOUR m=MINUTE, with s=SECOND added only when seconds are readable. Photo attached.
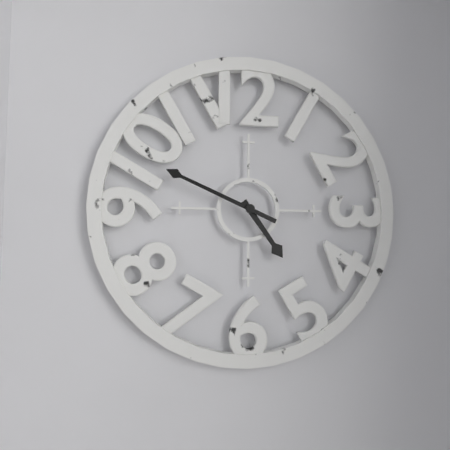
h=4 m=49
